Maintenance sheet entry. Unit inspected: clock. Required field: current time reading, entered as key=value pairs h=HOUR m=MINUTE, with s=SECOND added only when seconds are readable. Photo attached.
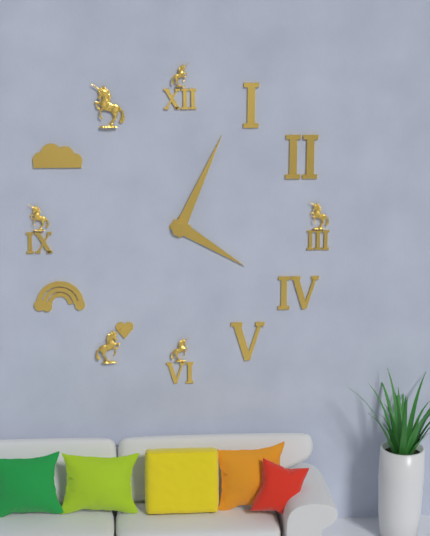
h=4 m=4
